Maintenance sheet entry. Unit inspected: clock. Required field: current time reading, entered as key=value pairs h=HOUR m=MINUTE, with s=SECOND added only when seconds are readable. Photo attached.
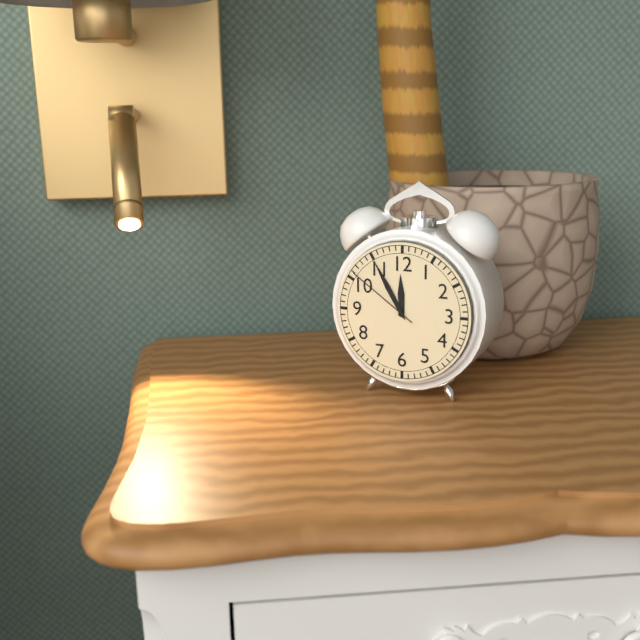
h=11 m=55 s=51
